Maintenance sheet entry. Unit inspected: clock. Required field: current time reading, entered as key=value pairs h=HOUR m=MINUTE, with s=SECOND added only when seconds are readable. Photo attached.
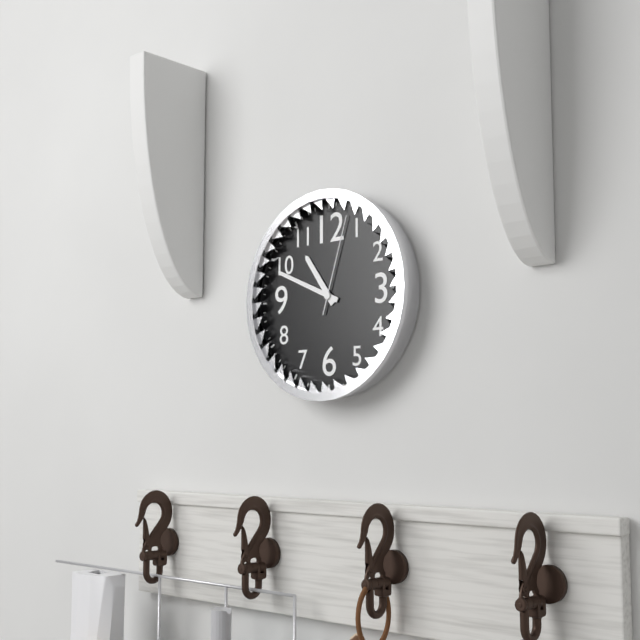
h=10 m=49 s=3
